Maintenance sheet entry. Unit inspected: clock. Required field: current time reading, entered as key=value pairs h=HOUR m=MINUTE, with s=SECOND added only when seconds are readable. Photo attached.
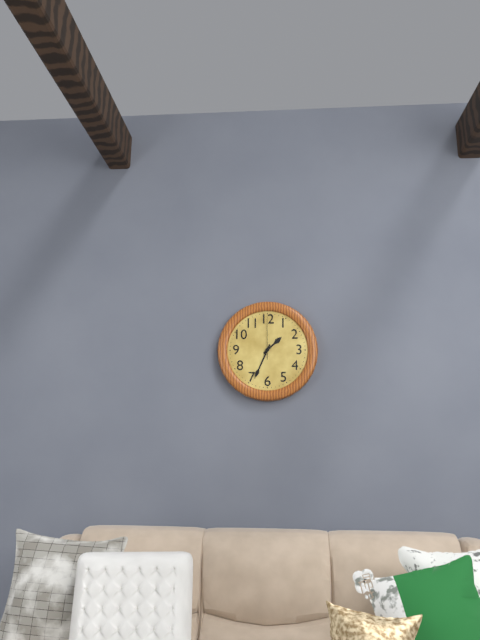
h=1 m=34
